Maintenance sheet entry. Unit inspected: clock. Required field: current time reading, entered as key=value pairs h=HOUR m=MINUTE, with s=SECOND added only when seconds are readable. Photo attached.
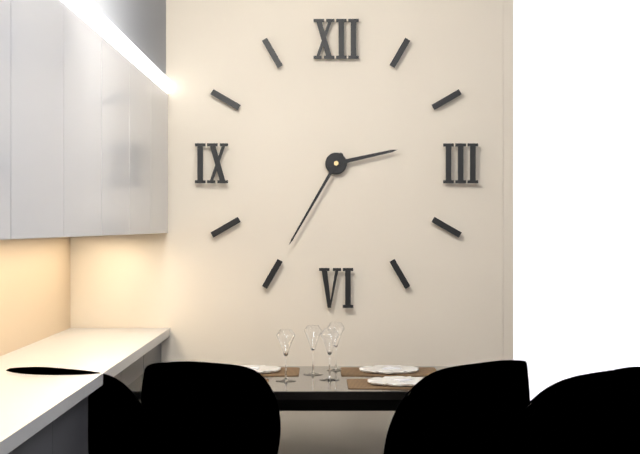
h=2 m=35
